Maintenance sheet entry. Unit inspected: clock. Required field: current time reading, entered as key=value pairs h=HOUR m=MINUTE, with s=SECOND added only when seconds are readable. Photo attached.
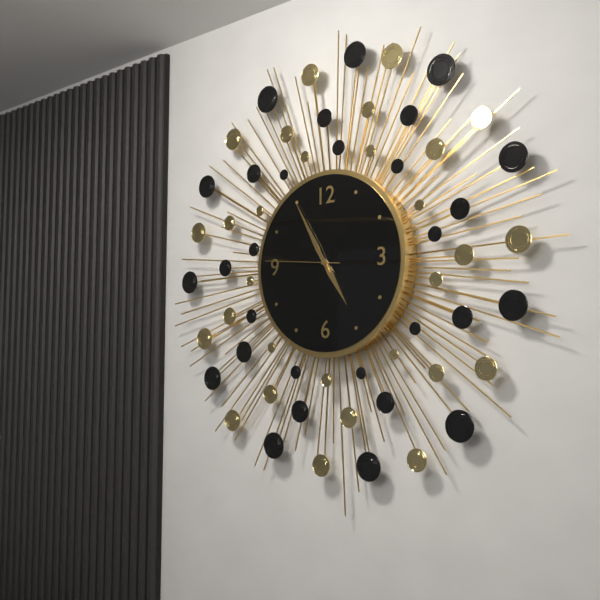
h=4 m=55 s=46
